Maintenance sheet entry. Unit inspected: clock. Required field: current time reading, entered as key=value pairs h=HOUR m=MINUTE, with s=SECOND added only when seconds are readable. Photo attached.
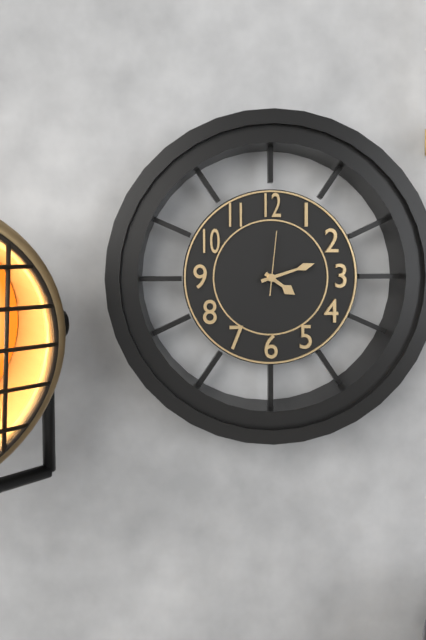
h=4 m=12 s=1
